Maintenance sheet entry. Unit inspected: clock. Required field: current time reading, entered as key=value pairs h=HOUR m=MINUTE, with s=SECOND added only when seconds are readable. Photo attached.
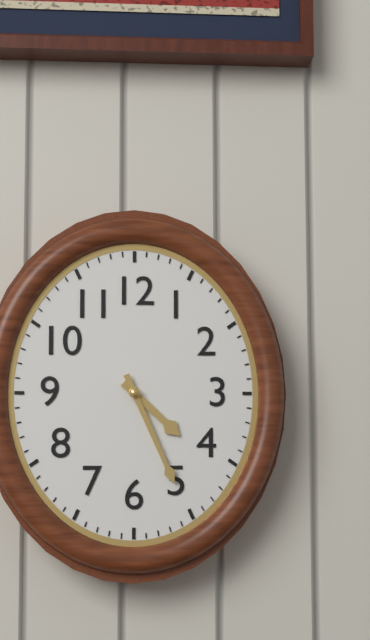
h=4 m=26
